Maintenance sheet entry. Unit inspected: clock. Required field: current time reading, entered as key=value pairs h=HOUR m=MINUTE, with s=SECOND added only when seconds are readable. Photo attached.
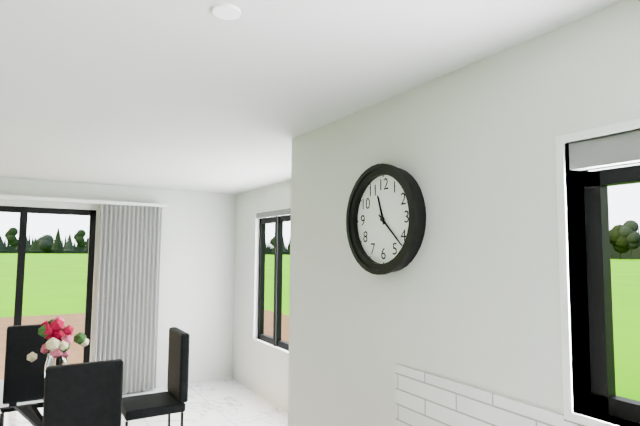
h=11 m=22
